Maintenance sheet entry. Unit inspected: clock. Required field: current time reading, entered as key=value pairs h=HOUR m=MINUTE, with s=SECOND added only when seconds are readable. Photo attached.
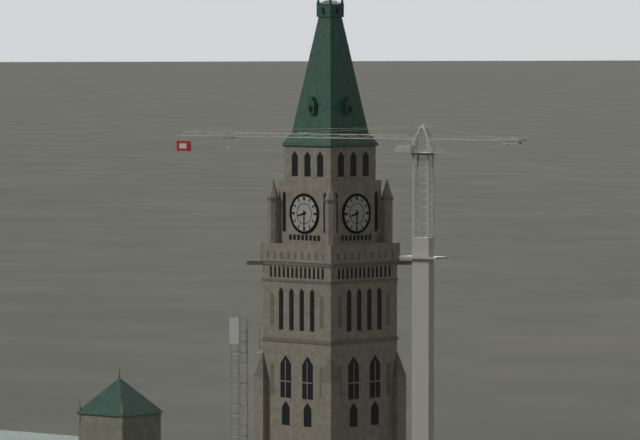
h=8 m=30
